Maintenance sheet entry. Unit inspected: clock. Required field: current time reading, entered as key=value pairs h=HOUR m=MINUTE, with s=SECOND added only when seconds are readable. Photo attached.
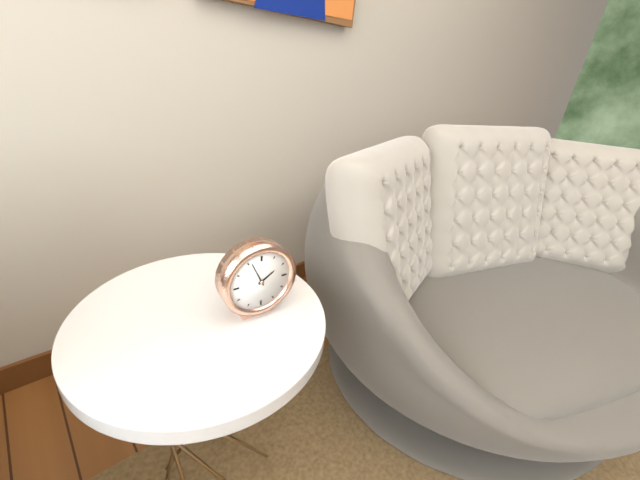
h=1 m=56
